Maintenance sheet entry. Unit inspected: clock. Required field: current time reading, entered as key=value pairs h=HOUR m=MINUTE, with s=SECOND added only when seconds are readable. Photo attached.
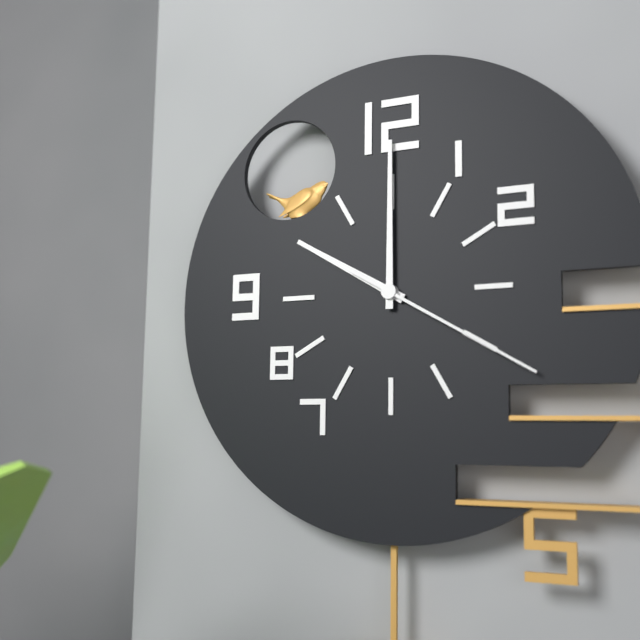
h=10 m=0 s=20
